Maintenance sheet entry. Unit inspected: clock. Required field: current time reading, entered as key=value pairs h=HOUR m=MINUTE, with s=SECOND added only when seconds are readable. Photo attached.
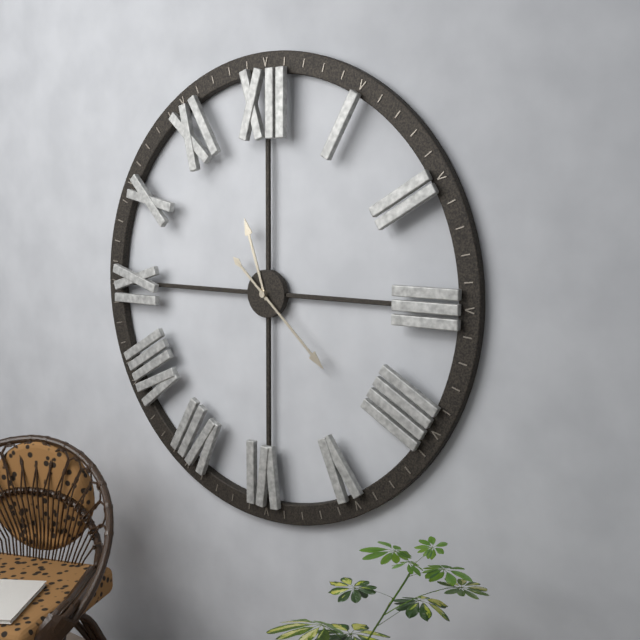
h=11 m=22
